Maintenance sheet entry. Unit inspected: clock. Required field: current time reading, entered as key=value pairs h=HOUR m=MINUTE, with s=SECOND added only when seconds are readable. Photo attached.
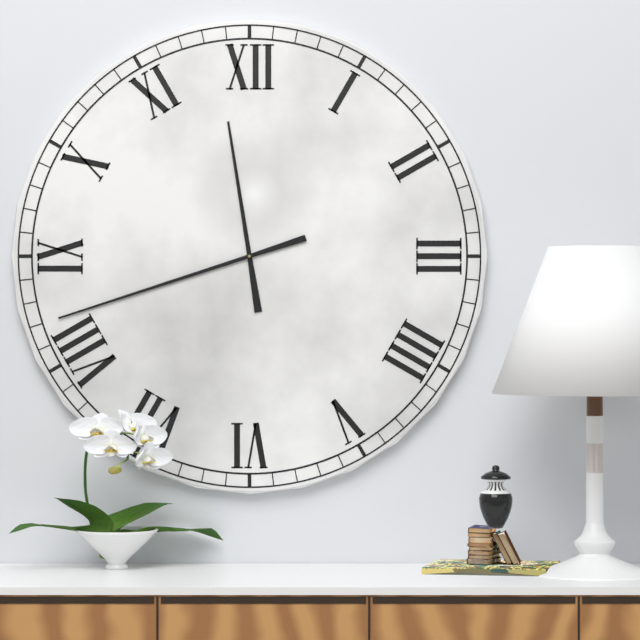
h=11 m=42
